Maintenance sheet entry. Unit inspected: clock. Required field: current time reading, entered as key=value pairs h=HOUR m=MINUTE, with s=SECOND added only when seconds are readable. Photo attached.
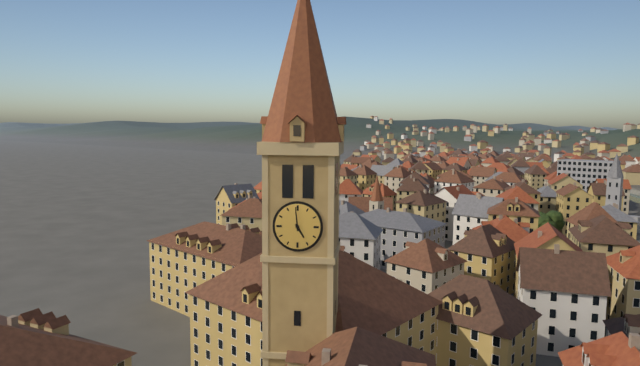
h=4 m=59
